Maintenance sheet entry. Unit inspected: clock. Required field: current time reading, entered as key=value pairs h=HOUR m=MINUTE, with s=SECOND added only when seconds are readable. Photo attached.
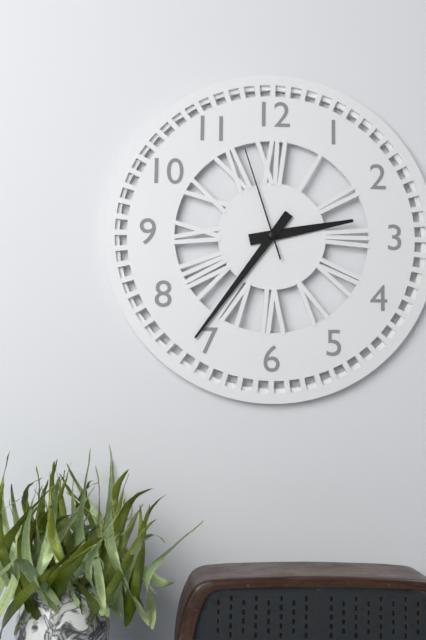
h=2 m=36 s=57
